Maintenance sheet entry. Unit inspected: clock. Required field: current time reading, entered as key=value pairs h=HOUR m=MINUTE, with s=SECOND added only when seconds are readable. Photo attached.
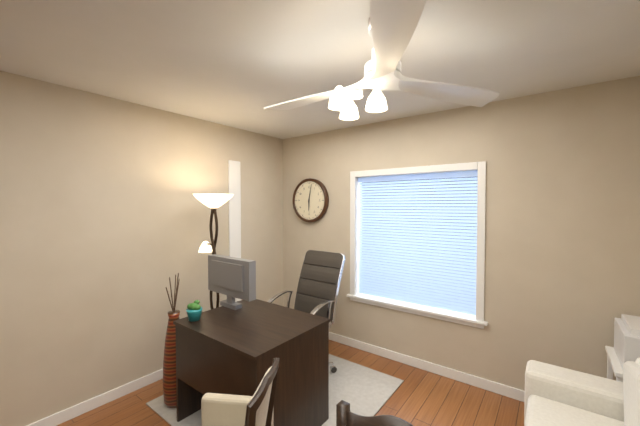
h=6 m=2
